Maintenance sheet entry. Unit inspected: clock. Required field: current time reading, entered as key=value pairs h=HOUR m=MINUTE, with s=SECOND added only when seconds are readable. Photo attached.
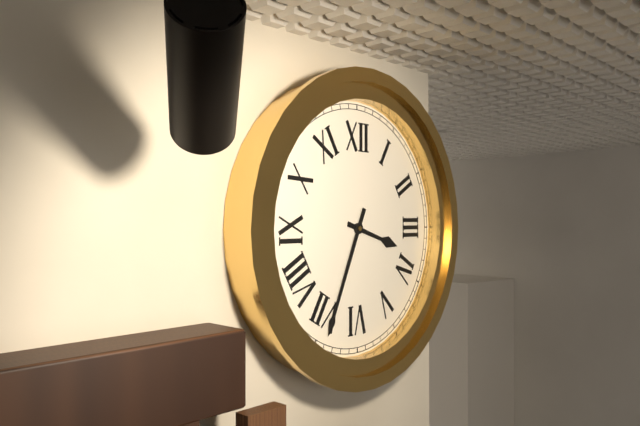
h=3 m=34
